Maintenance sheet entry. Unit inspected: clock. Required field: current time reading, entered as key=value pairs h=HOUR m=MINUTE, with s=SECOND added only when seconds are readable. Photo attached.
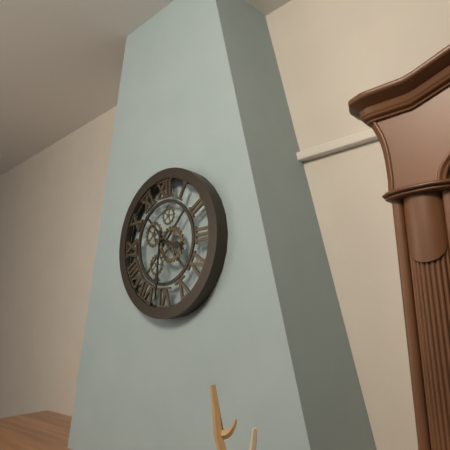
h=3 m=31
